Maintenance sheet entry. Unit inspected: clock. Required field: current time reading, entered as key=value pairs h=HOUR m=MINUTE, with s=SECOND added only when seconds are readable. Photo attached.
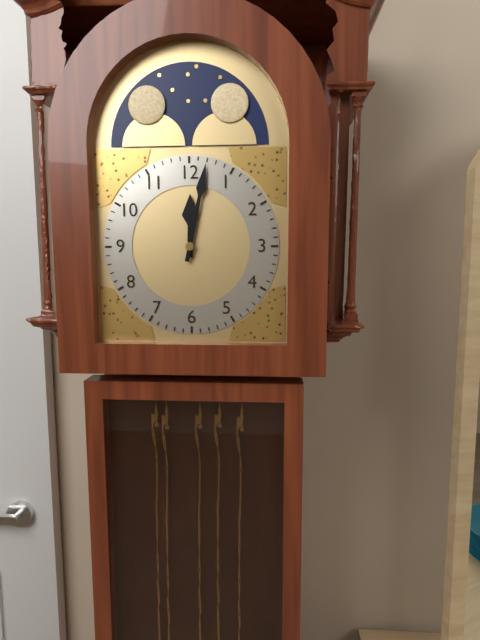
h=12 m=2
